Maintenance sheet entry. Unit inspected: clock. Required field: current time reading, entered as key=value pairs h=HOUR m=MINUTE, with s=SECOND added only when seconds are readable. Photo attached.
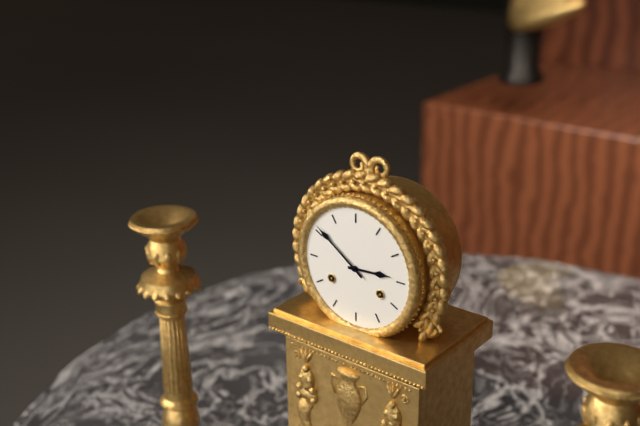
h=2 m=51
